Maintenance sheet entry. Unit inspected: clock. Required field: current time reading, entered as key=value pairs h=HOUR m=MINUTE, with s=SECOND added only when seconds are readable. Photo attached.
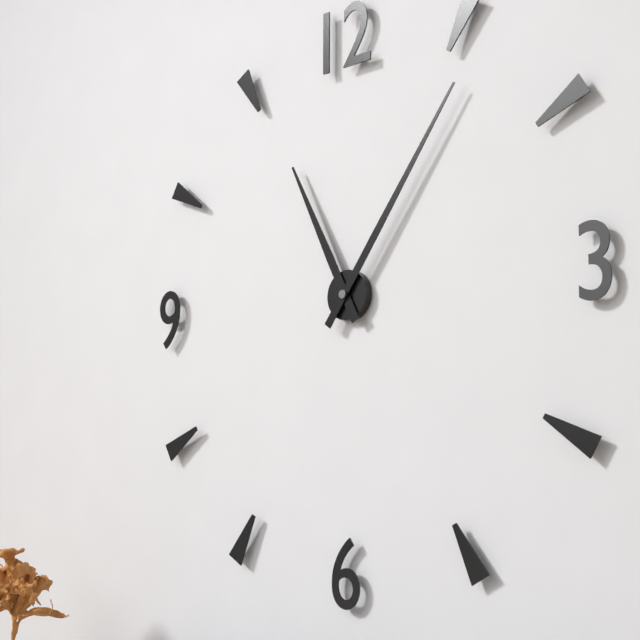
h=11 m=6
